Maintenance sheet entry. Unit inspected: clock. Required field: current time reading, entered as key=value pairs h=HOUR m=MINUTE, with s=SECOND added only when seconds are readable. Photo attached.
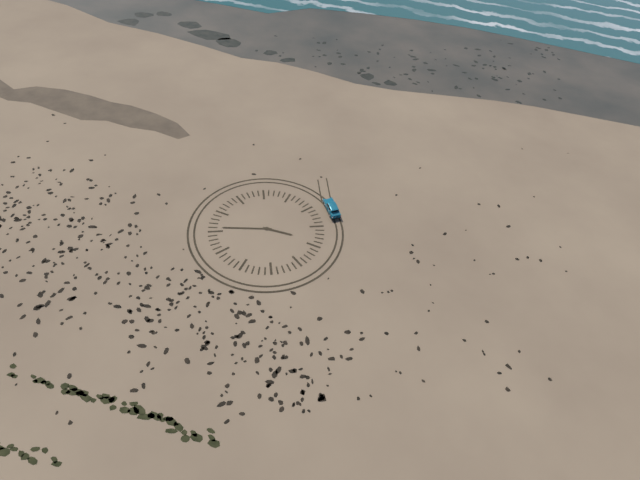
h=3 m=46
